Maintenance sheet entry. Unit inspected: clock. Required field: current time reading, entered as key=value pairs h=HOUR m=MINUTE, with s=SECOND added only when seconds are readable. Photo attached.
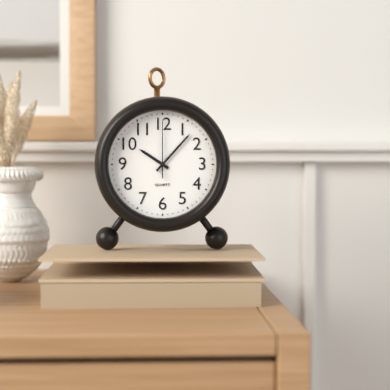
h=10 m=7 s=0
